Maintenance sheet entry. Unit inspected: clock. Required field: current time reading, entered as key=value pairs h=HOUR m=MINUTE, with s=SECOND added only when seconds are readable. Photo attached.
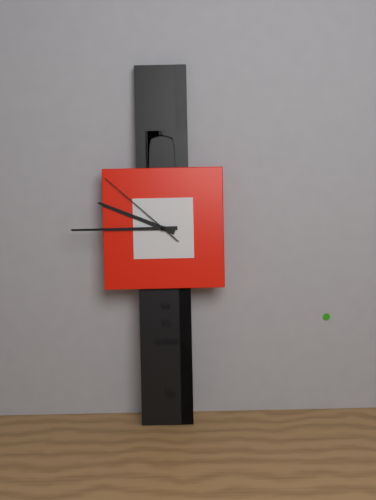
h=9 m=45 s=52
